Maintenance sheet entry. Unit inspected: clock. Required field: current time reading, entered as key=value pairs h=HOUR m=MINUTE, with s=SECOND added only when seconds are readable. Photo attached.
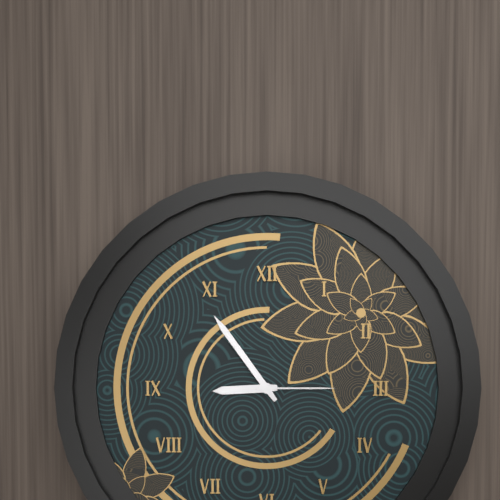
h=8 m=54 s=15
